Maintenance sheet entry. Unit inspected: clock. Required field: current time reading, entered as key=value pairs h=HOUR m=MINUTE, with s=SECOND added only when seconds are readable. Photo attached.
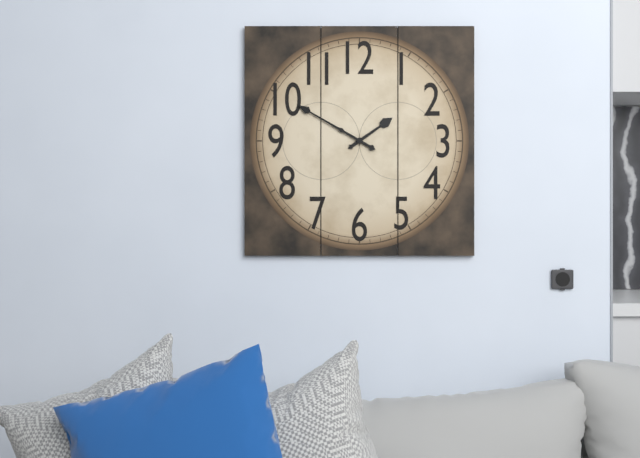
h=1 m=50
